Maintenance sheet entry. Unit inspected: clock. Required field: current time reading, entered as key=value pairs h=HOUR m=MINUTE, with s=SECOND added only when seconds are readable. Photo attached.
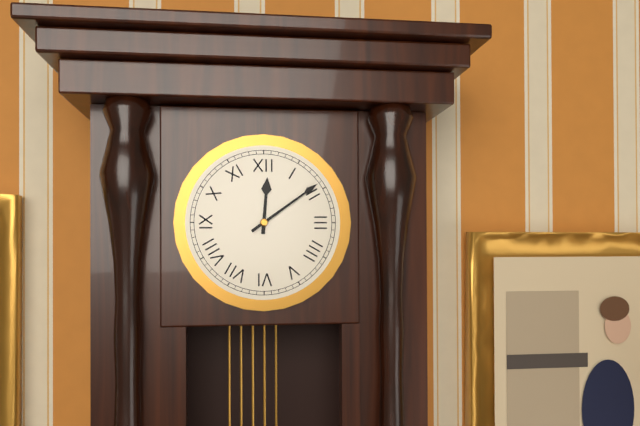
h=12 m=9
